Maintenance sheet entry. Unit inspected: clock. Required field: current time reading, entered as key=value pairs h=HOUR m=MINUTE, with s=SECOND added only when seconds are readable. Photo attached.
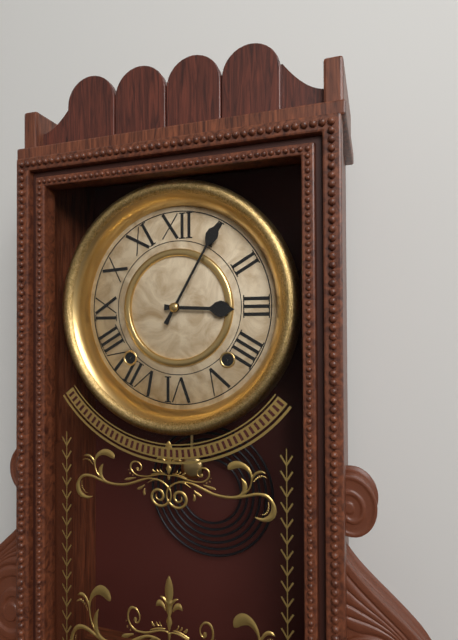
h=3 m=5
